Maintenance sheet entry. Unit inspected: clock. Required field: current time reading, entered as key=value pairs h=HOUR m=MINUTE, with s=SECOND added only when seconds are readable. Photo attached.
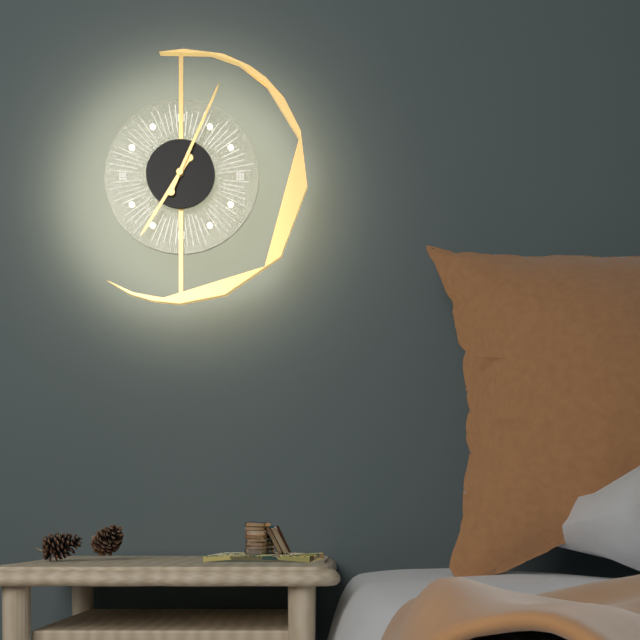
h=7 m=4
